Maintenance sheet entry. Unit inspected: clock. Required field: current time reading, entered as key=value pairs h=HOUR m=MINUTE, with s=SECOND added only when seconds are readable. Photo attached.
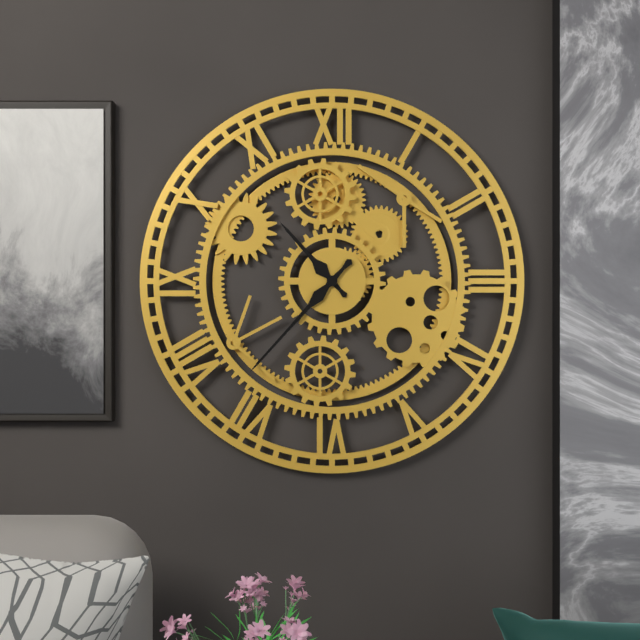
h=10 m=37
